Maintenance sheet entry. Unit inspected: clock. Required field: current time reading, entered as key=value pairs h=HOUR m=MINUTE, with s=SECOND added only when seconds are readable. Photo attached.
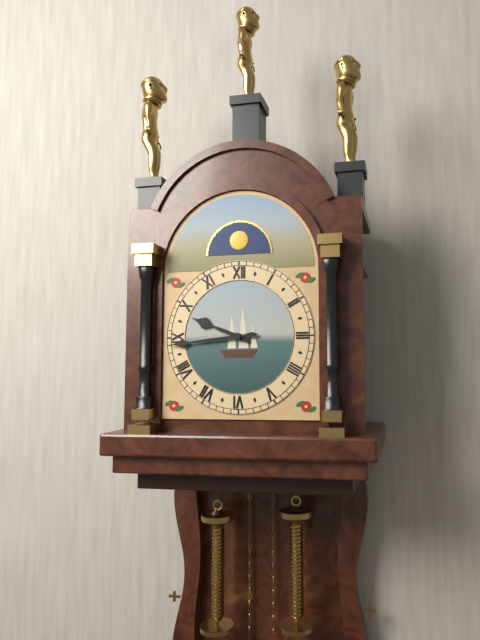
h=9 m=44
